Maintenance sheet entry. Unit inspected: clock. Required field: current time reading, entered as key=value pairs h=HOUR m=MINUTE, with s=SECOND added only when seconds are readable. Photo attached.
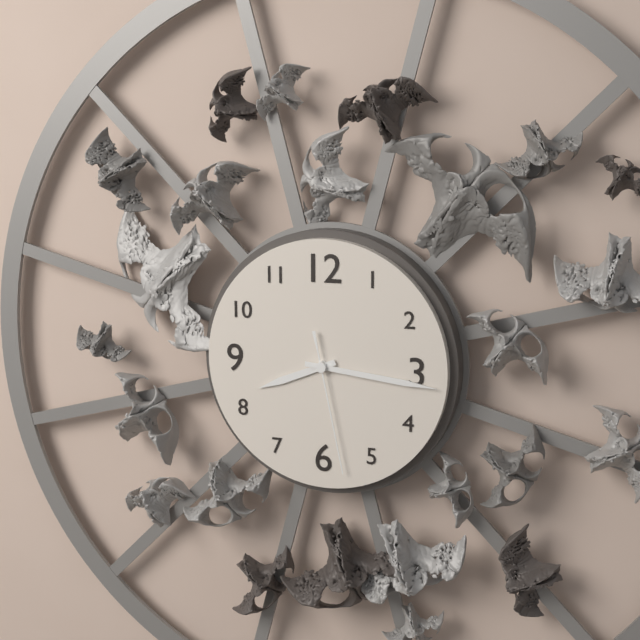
h=8 m=16 s=28
